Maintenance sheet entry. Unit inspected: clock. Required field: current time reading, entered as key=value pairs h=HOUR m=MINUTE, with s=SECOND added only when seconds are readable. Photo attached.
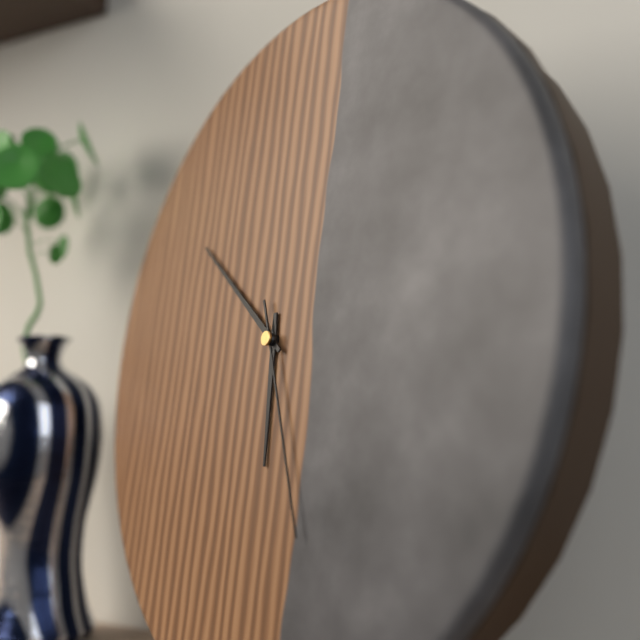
h=5 m=51 s=26
